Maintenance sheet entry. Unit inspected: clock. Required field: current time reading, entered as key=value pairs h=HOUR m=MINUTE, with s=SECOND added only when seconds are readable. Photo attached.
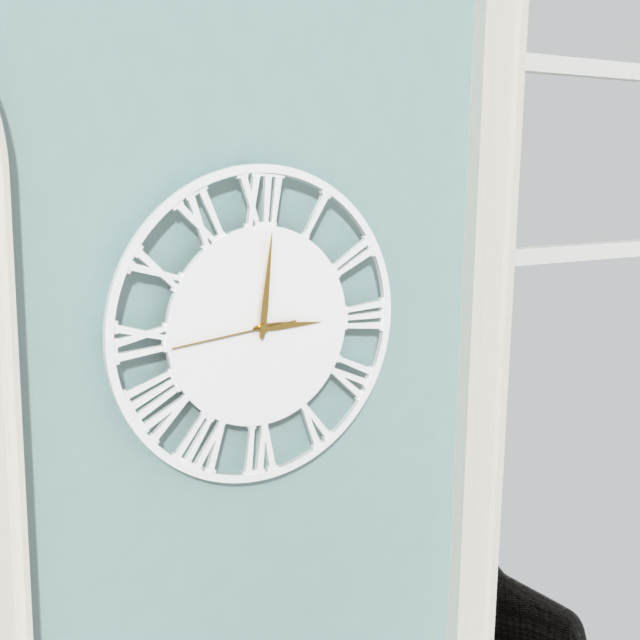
h=3 m=1 s=44
